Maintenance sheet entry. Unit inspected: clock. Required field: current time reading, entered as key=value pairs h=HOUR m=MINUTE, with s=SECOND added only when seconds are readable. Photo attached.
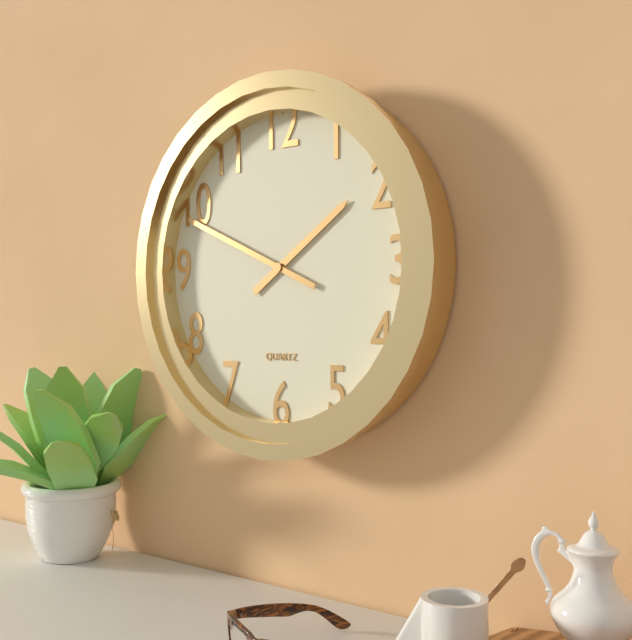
h=1 m=49
